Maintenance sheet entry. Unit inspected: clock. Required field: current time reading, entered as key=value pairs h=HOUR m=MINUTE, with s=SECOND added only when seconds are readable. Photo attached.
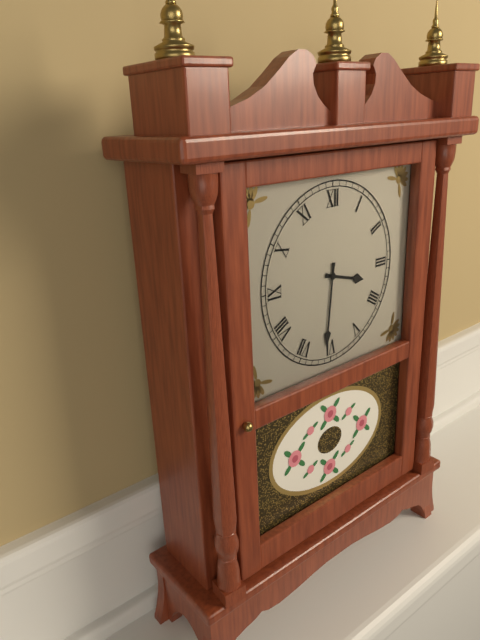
h=3 m=31
